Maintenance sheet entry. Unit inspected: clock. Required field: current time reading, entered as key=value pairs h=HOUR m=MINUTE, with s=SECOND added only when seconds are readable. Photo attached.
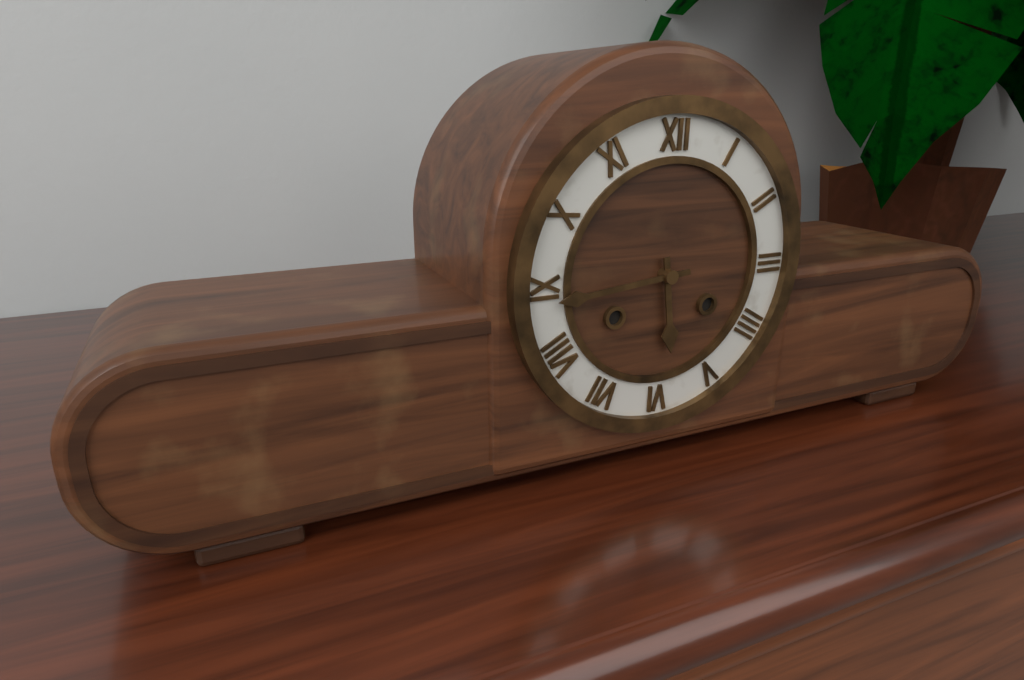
h=5 m=44
